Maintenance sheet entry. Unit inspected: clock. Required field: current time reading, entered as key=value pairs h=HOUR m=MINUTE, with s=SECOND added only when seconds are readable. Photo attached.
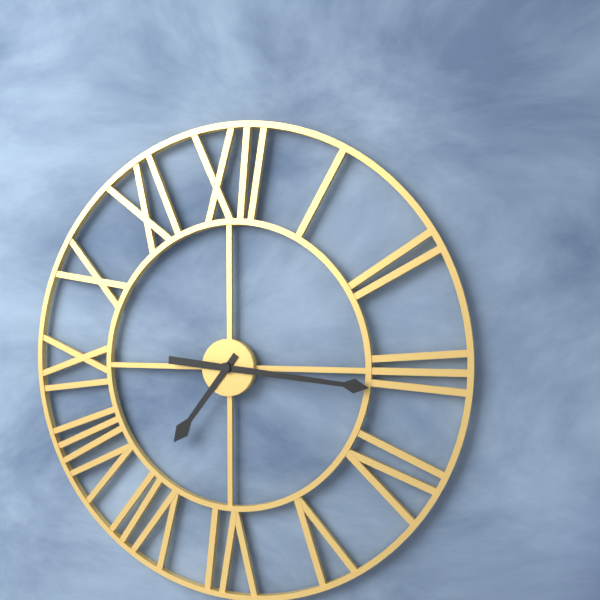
h=7 m=16
